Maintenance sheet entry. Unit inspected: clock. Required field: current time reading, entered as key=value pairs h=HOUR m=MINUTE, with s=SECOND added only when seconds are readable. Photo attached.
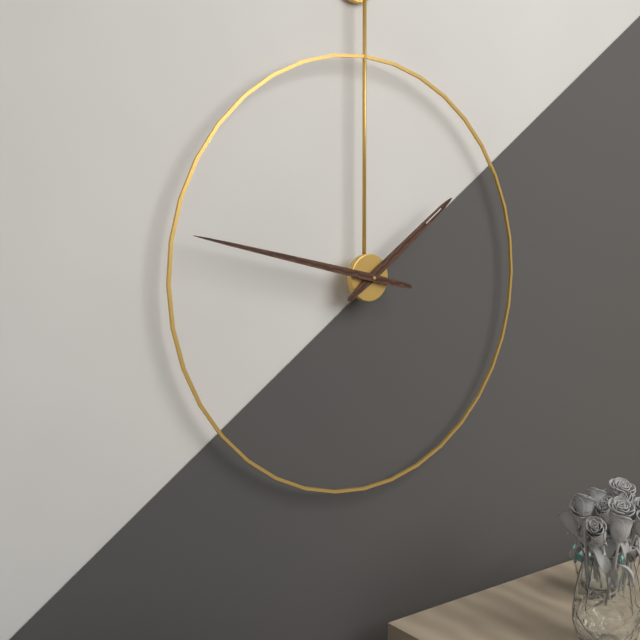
h=1 m=47
